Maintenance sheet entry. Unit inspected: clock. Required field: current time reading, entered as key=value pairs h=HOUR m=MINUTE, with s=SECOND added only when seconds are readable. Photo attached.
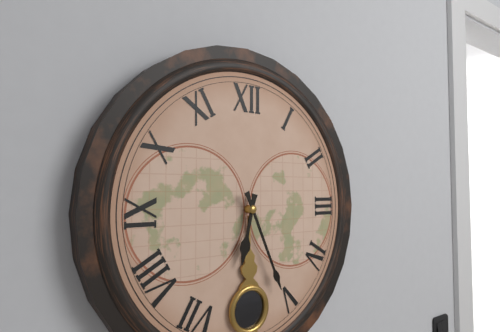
h=6 m=26
